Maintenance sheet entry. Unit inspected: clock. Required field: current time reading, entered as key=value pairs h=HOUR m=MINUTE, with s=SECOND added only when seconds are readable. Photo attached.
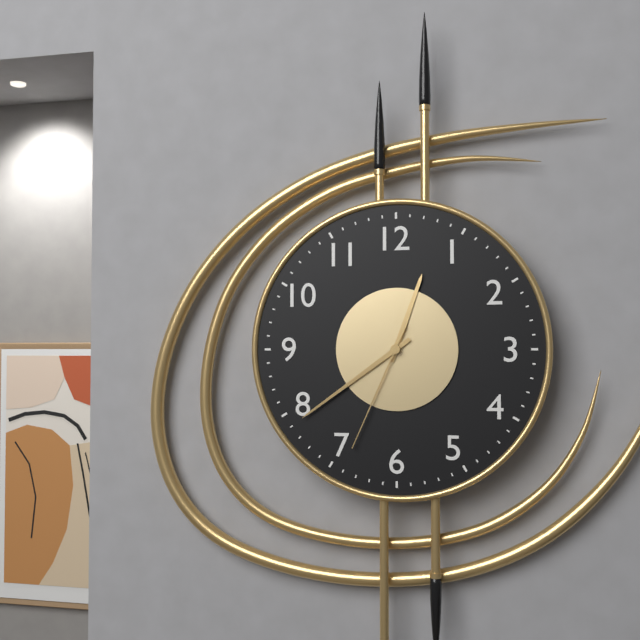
h=12 m=39 s=34
